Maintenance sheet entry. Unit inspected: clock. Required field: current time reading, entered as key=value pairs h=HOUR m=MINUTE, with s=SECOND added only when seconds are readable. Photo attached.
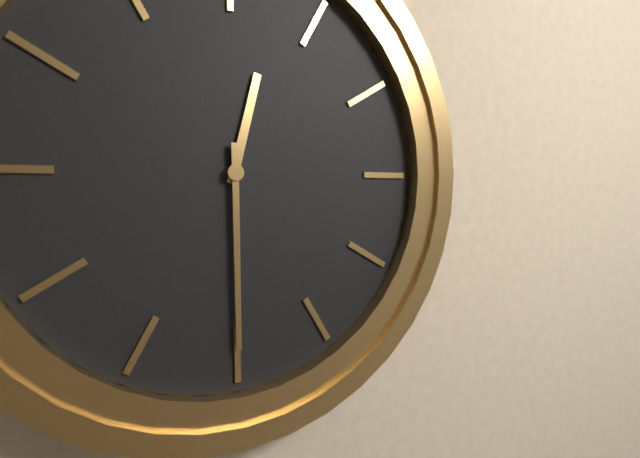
h=12 m=30
